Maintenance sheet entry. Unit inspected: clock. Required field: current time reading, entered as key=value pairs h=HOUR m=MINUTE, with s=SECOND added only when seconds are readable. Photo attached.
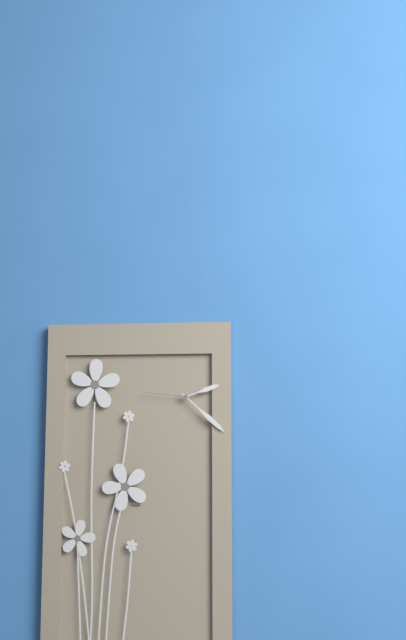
h=2 m=22 s=46
